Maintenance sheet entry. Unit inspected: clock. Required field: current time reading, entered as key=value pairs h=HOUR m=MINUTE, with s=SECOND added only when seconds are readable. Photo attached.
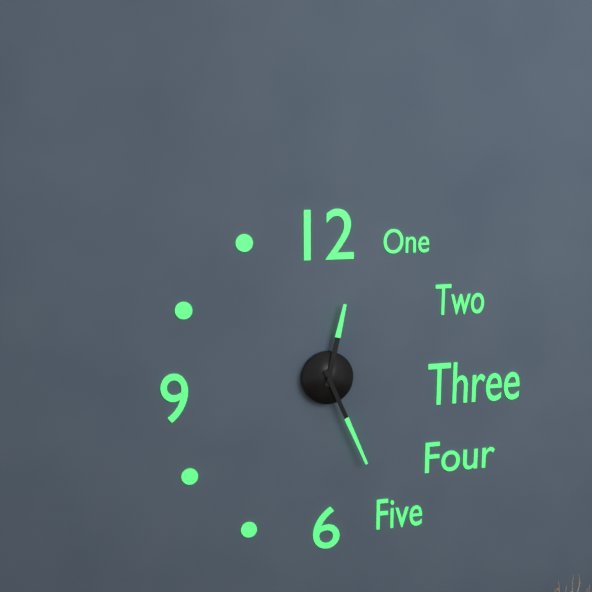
h=12 m=26
